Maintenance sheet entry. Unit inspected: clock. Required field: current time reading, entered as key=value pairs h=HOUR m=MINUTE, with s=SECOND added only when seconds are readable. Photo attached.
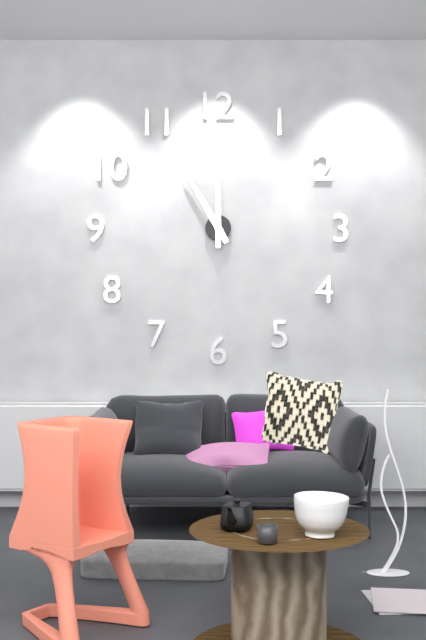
h=11 m=0
